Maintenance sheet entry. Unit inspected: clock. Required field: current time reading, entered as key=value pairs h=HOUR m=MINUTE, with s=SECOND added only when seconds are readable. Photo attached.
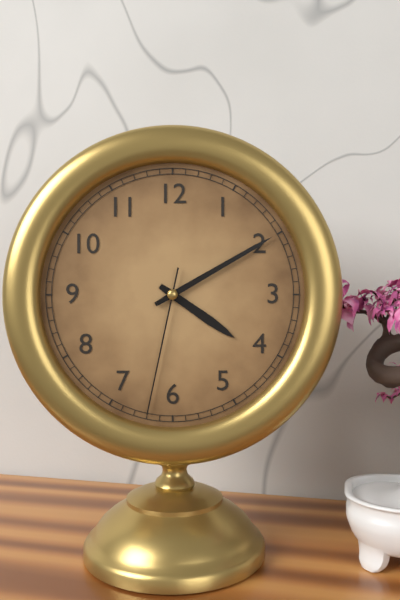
h=4 m=10 s=32
